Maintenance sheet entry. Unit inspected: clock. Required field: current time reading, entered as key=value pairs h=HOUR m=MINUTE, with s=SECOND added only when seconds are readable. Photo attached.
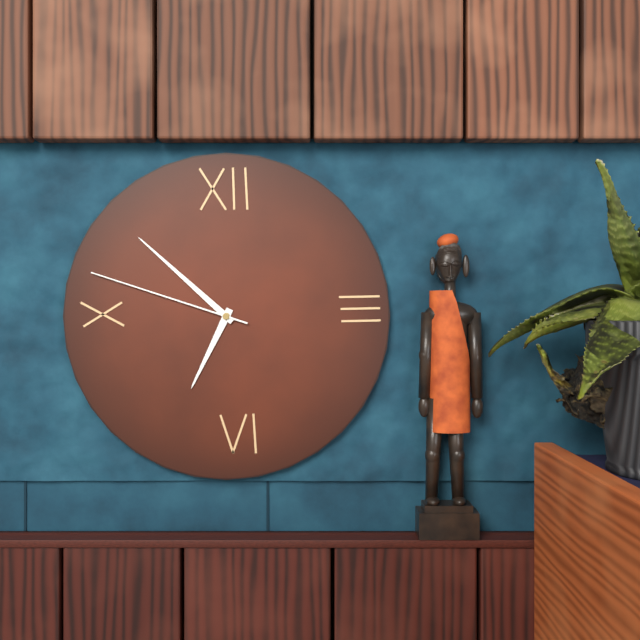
h=6 m=52 s=48
